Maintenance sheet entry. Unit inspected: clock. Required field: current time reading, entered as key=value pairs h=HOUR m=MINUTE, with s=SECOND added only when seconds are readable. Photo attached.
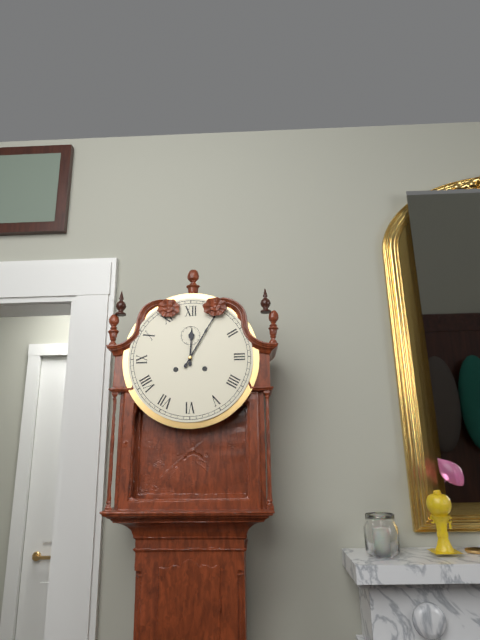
h=12 m=5
